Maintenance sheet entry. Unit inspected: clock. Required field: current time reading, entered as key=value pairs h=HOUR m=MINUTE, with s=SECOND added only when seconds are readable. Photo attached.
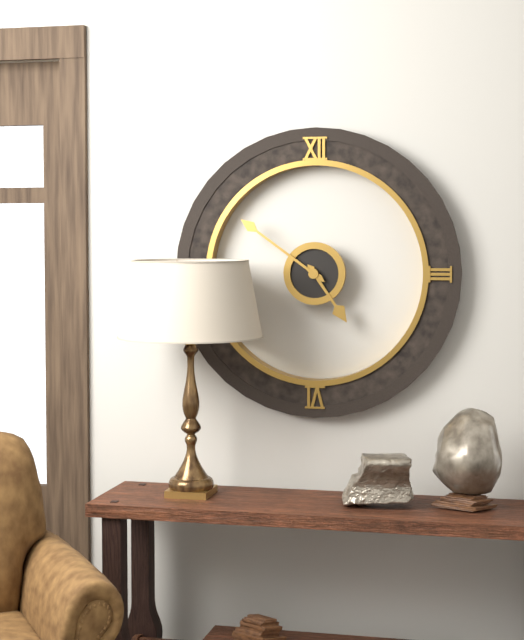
h=4 m=51
